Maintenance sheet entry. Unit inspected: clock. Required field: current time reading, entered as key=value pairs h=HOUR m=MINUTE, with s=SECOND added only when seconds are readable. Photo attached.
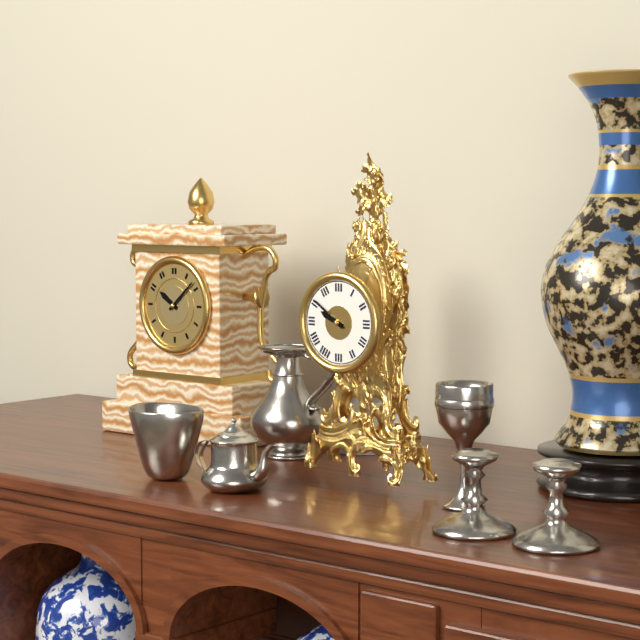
h=9 m=51
